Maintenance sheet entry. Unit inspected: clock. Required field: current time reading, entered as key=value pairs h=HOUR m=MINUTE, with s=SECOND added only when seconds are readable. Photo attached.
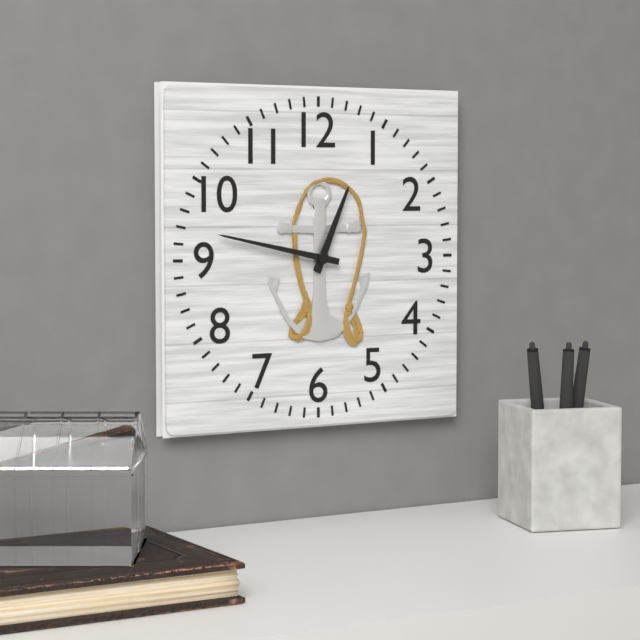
h=12 m=47
